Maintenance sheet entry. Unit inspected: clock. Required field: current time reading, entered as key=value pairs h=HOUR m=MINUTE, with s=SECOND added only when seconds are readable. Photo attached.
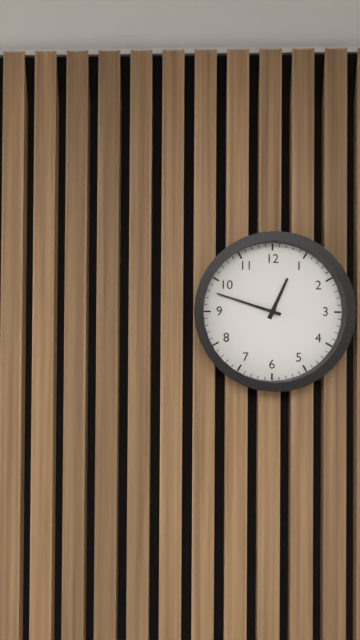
h=12 m=48
